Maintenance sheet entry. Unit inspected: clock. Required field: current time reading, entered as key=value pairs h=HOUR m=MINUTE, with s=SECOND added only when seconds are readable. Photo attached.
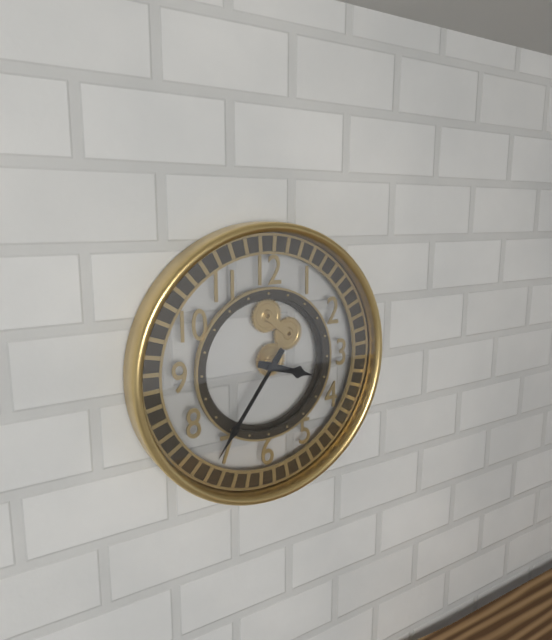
h=3 m=36
